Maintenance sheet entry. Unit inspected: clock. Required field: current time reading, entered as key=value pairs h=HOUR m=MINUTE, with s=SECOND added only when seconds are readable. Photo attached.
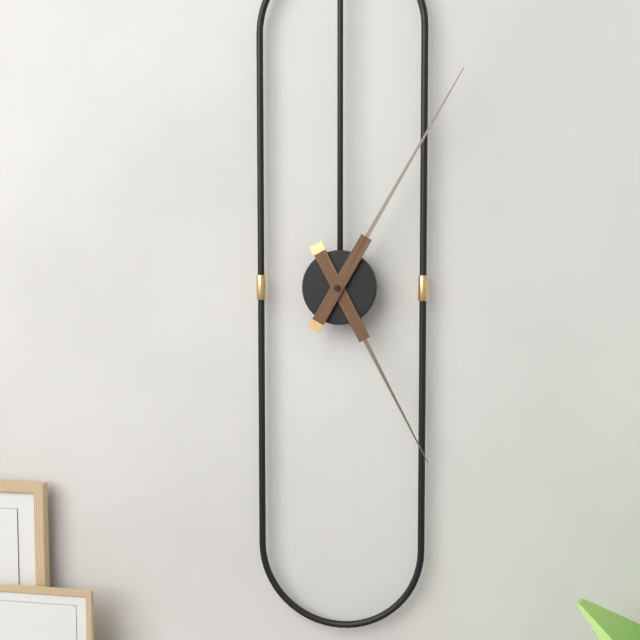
h=5 m=5
